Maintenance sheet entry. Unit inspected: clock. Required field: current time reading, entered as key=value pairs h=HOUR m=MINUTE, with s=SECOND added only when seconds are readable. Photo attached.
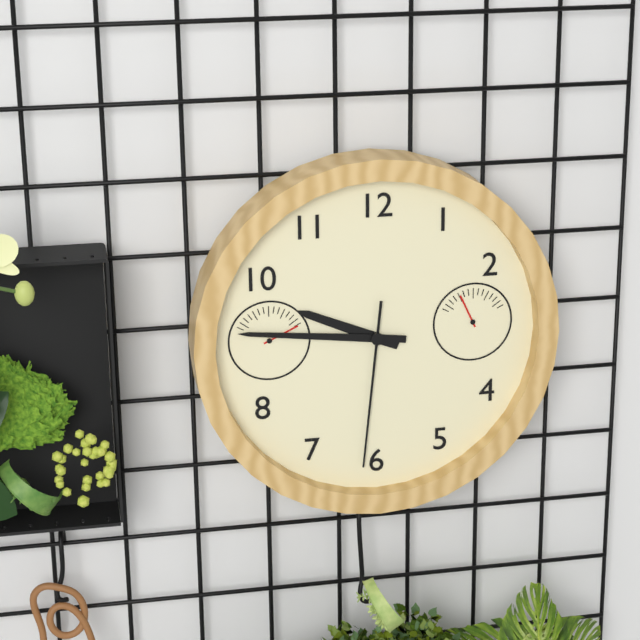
h=9 m=46 s=31
